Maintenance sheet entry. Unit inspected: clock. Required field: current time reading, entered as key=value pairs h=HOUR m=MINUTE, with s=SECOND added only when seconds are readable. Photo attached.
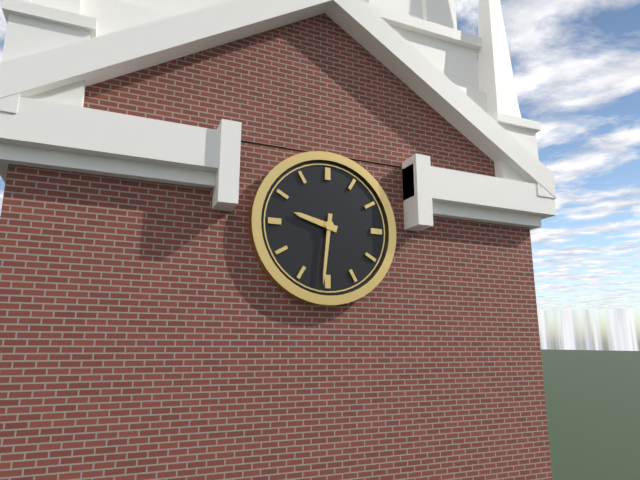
h=9 m=31
